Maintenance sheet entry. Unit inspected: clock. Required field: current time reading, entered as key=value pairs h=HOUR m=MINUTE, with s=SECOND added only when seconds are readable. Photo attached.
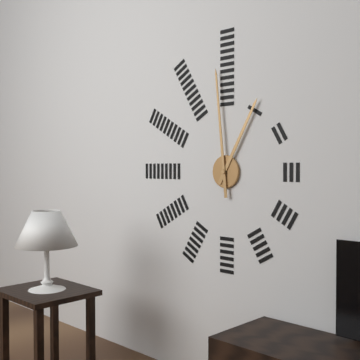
h=12 m=59
